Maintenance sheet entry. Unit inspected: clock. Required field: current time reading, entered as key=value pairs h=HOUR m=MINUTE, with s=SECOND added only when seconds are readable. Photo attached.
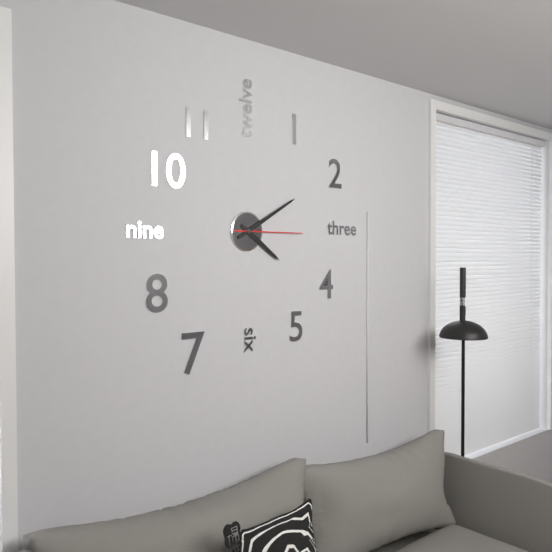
h=4 m=10 s=15
